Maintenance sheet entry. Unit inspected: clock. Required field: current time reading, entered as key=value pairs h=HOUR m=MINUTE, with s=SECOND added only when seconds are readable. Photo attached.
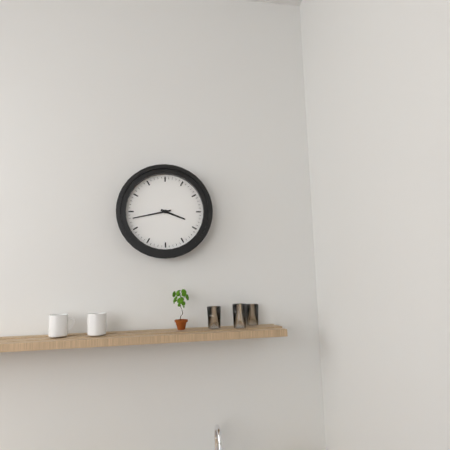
h=3 m=43
